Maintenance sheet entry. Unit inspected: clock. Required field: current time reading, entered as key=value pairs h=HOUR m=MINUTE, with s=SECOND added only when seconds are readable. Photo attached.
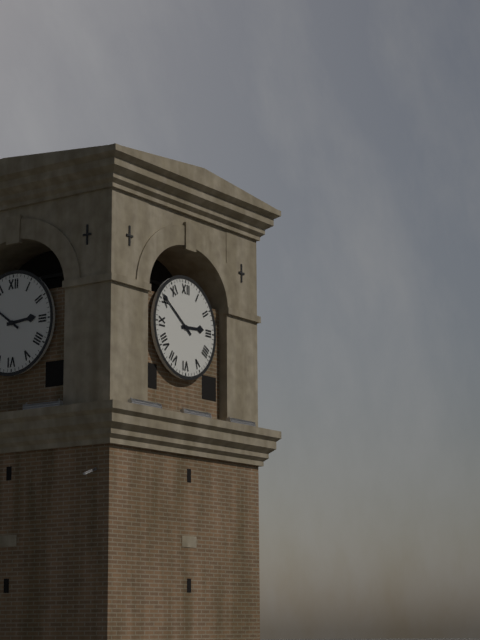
h=2 m=51
